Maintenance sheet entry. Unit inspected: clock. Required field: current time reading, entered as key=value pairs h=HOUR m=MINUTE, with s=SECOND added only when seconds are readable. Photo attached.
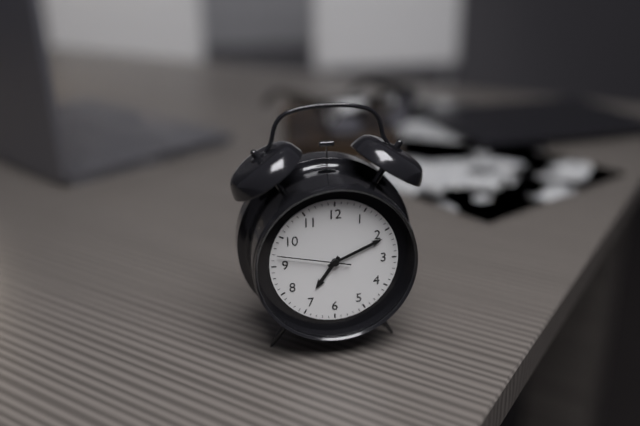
h=7 m=11 s=47
